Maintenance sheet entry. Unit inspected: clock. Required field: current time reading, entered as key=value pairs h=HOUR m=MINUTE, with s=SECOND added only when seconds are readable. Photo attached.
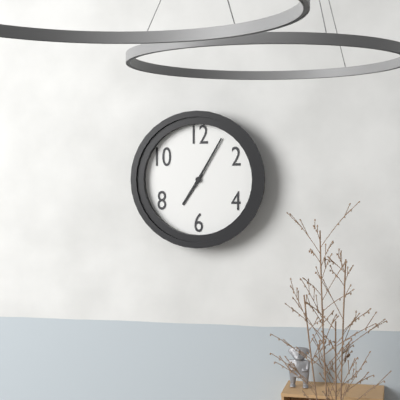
h=7 m=5
